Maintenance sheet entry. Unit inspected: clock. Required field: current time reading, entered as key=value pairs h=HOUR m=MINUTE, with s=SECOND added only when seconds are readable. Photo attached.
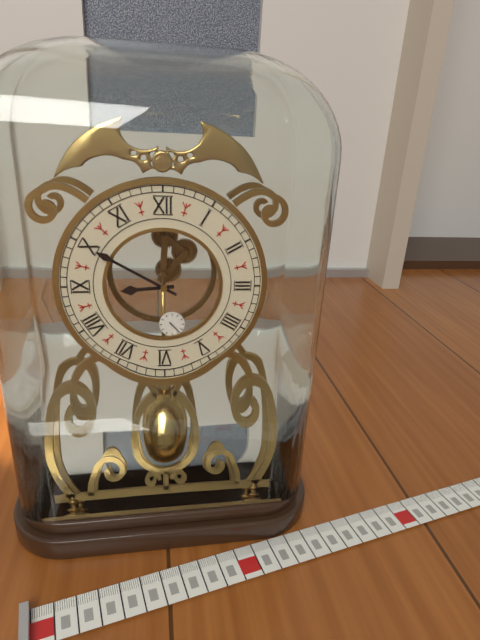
h=8 m=50
